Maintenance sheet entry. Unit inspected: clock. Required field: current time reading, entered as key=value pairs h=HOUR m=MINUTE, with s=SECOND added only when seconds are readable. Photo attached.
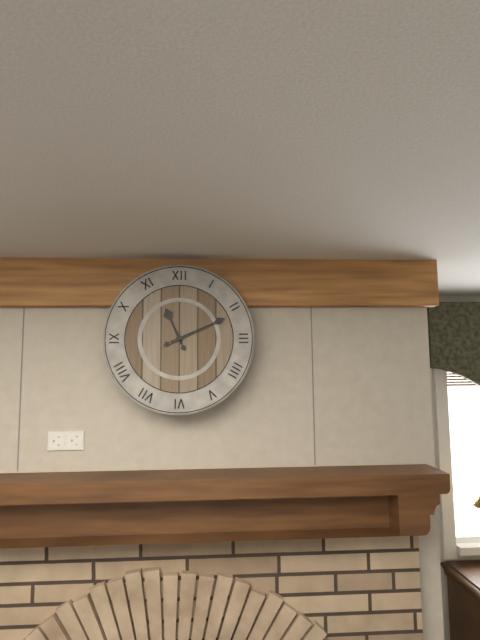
h=11 m=11
